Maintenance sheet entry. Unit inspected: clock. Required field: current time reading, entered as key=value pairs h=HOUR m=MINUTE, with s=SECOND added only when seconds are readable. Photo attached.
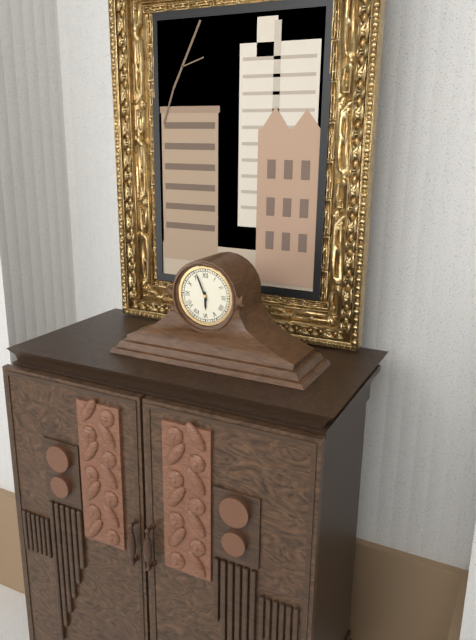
h=5 m=56
